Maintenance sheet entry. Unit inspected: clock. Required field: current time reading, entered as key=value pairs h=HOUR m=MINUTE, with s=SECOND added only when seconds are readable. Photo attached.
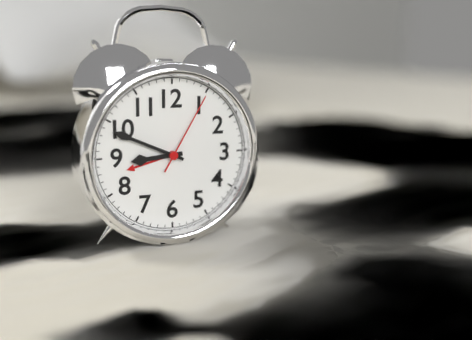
h=8 m=49 s=5
